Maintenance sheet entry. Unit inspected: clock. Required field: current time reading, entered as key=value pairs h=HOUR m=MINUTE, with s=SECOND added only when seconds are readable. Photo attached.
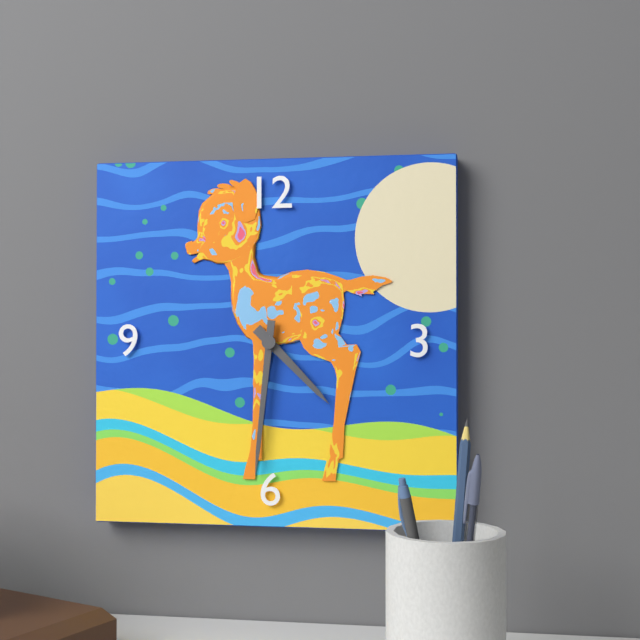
h=4 m=31
